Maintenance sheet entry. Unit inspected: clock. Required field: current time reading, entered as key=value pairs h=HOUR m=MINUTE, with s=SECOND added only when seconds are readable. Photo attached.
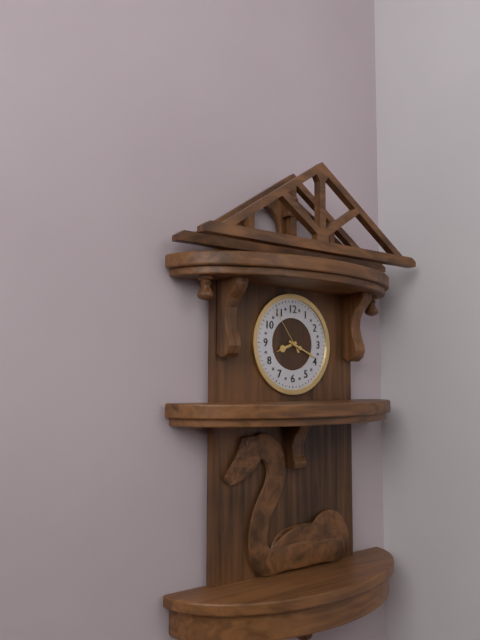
h=8 m=19
